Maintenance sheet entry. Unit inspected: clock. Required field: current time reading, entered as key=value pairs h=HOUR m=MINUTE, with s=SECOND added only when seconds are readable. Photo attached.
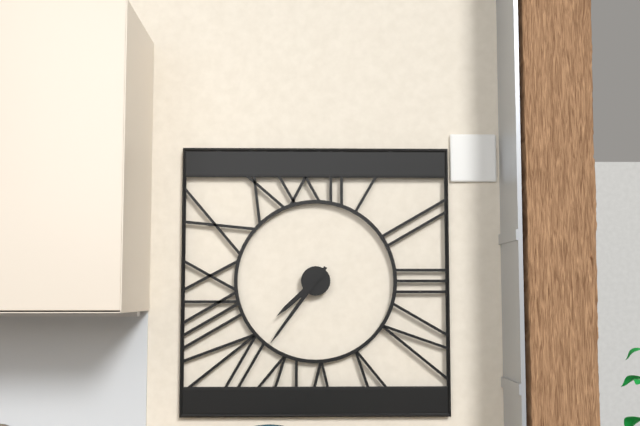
h=7 m=36
